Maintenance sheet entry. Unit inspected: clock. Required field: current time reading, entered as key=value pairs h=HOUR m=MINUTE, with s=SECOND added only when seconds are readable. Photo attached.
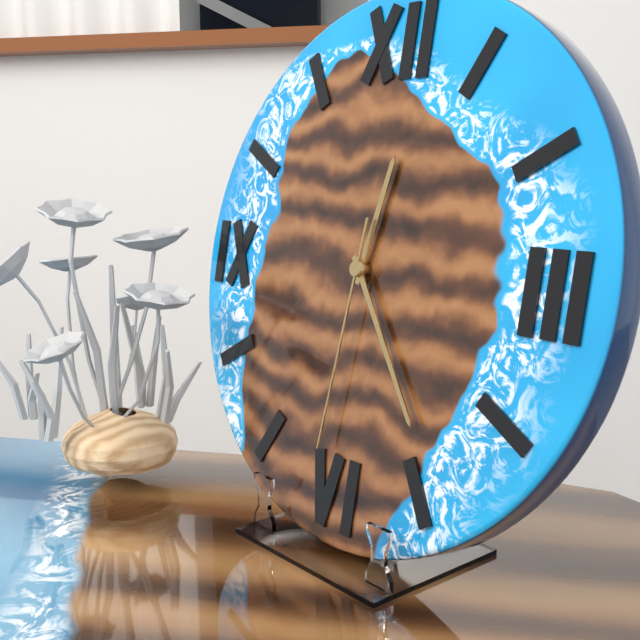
h=12 m=24 s=31
